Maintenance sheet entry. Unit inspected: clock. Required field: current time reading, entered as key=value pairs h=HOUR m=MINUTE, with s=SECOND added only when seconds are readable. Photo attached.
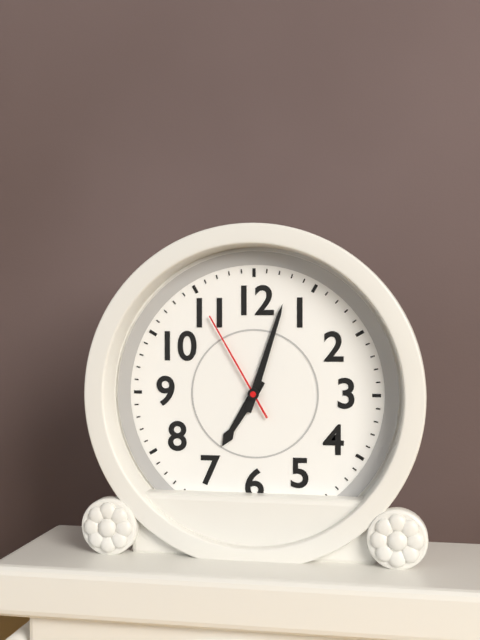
h=7 m=3 s=55
